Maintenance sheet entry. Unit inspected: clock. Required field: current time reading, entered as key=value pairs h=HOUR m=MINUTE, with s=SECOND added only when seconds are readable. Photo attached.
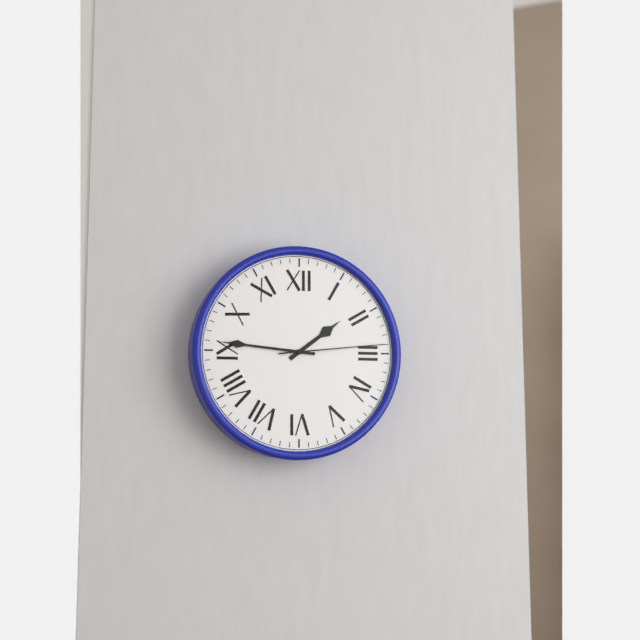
h=1 m=46 s=14
